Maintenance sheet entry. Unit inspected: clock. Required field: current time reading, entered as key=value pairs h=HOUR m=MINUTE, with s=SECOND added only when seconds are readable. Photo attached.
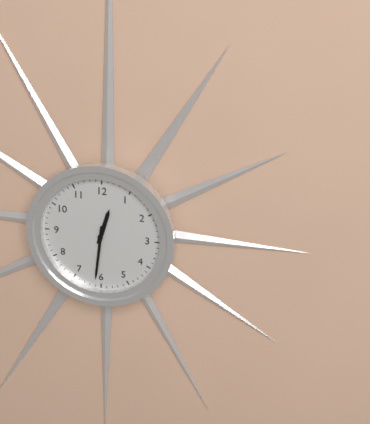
h=12 m=31
